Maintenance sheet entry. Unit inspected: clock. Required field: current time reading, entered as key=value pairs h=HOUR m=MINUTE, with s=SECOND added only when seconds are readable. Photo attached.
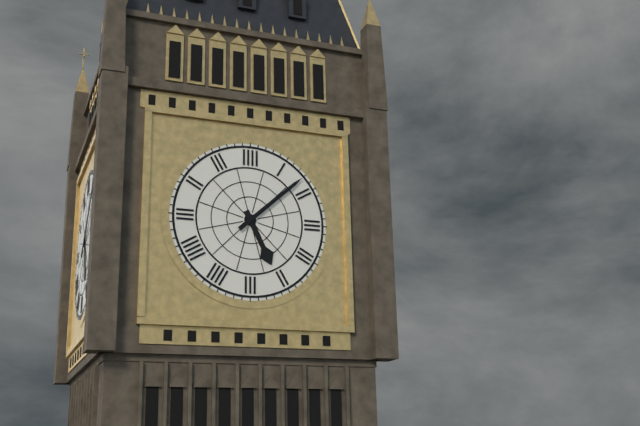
h=5 m=8
